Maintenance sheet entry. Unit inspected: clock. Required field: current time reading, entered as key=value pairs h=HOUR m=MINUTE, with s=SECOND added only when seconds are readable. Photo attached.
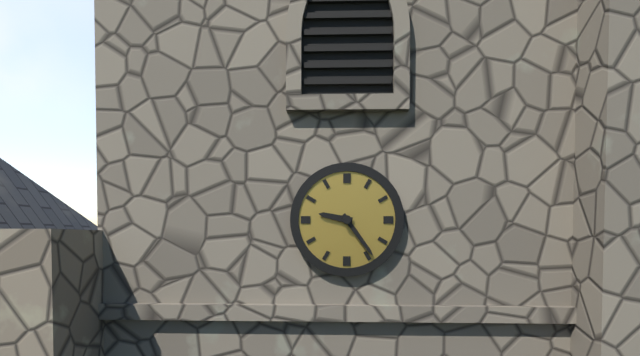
h=9 m=24
